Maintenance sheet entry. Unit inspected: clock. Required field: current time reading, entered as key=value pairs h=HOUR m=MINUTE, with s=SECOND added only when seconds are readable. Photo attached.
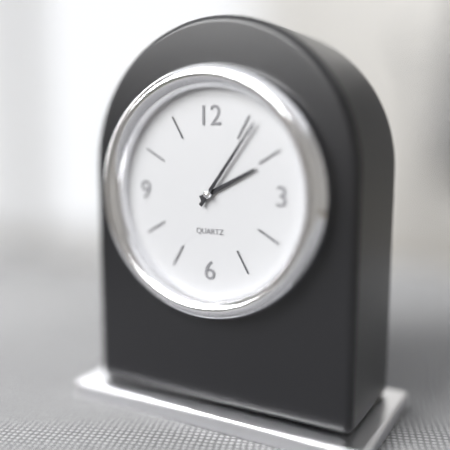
h=2 m=6
